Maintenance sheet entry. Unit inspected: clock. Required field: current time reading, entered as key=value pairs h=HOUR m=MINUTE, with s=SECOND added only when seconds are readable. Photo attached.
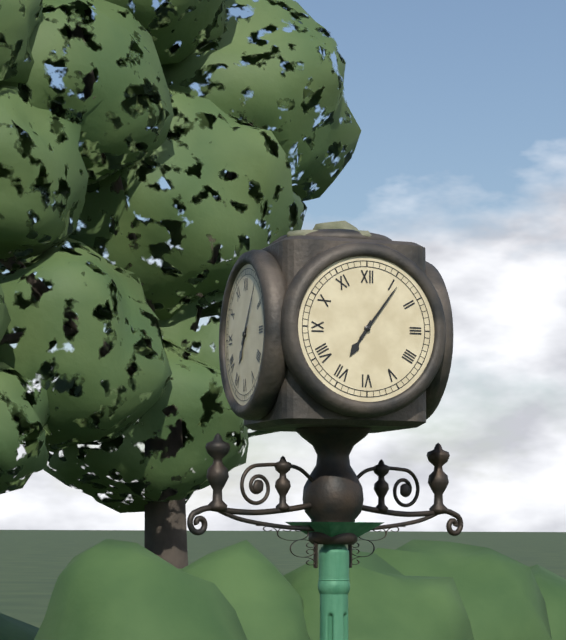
h=7 m=6
